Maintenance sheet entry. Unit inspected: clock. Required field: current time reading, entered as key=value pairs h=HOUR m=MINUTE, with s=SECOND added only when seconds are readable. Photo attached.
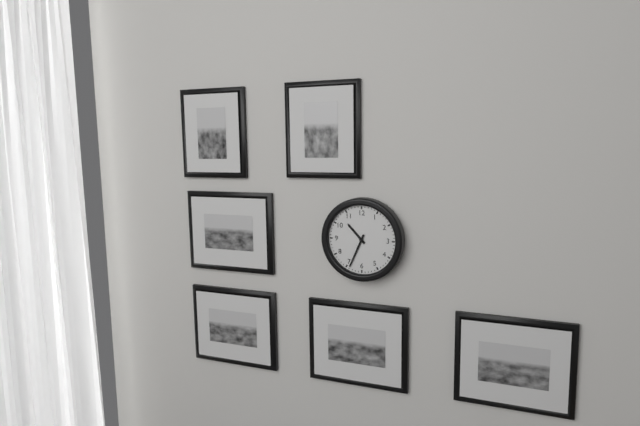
h=10 m=34
